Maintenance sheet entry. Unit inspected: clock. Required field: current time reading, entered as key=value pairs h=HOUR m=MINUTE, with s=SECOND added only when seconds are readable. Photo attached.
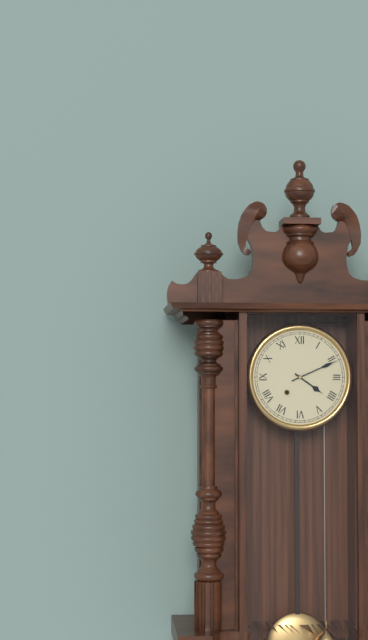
h=4 m=11
